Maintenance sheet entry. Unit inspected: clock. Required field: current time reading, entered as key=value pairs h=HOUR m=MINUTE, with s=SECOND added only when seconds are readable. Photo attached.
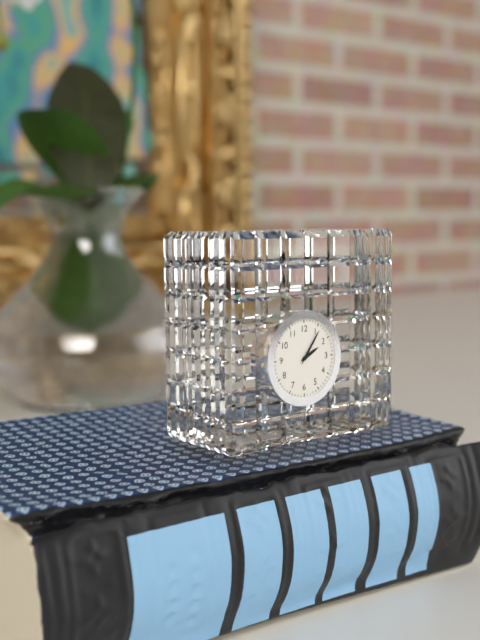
h=2 m=6
